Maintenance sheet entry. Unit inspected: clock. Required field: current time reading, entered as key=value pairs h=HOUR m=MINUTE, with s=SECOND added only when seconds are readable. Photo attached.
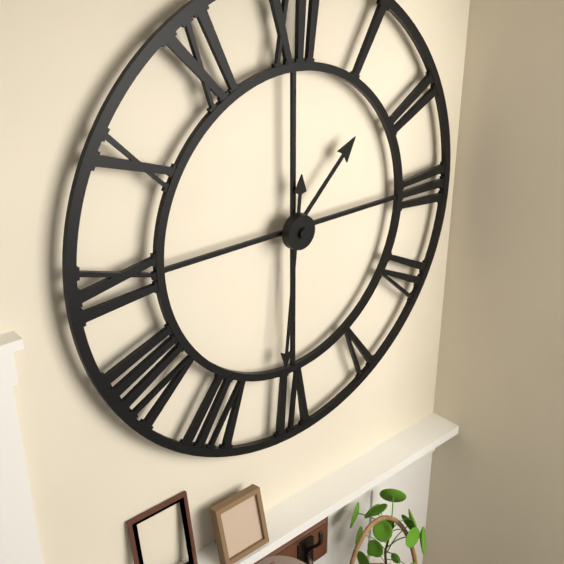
h=1 m=31
